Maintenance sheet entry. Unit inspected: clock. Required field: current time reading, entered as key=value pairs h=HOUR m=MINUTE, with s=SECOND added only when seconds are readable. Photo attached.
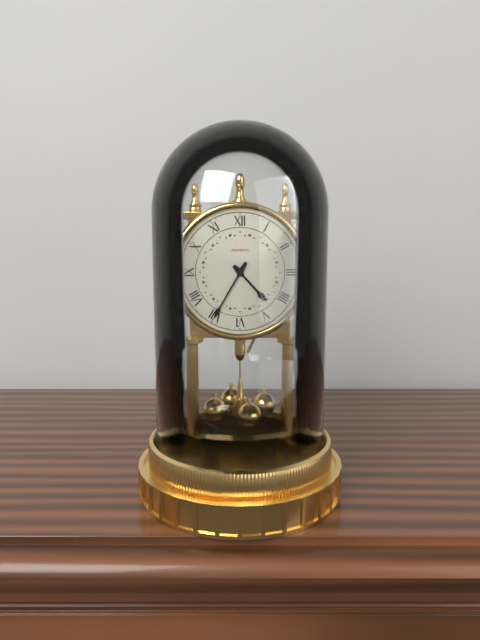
h=4 m=35
